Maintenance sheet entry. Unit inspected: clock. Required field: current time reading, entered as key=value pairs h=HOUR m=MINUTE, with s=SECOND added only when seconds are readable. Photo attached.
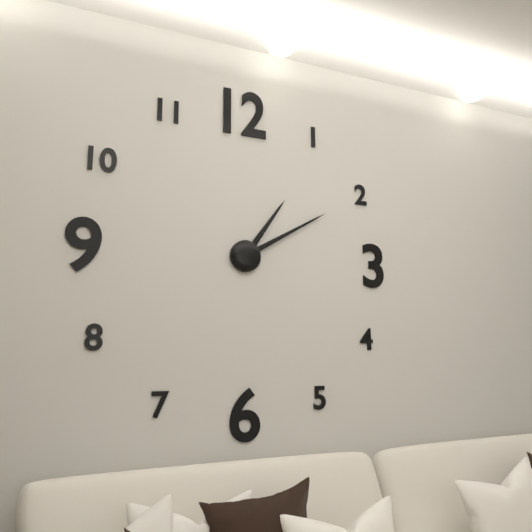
h=1 m=10
